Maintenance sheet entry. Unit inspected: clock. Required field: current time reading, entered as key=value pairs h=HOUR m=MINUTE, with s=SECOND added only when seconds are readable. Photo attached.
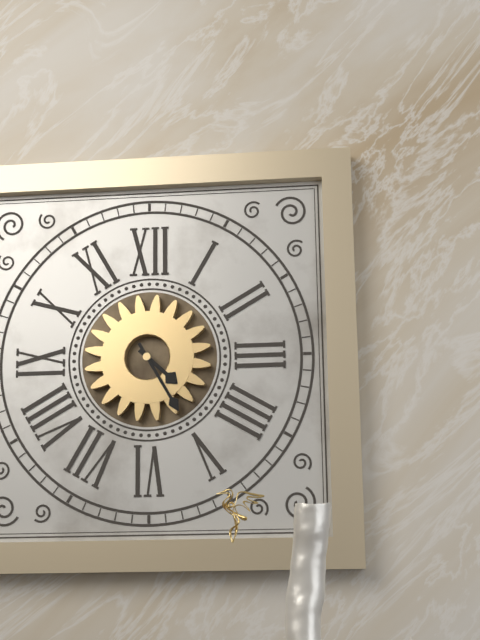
h=4 m=25
